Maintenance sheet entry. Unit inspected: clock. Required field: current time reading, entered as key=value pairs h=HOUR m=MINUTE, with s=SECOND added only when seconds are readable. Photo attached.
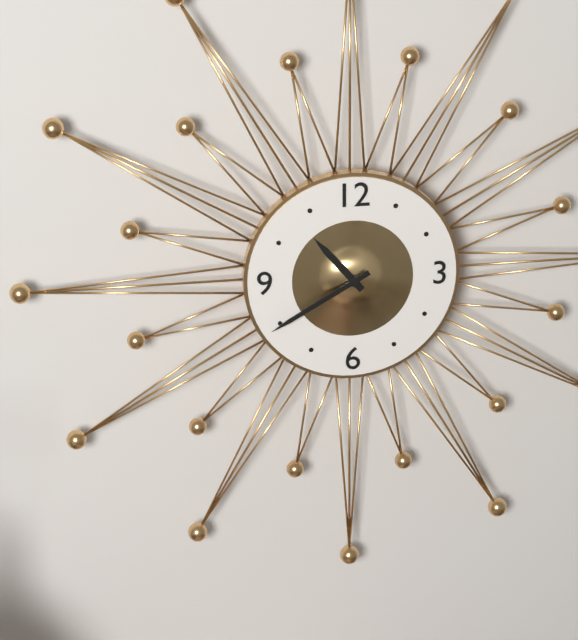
h=10 m=40
